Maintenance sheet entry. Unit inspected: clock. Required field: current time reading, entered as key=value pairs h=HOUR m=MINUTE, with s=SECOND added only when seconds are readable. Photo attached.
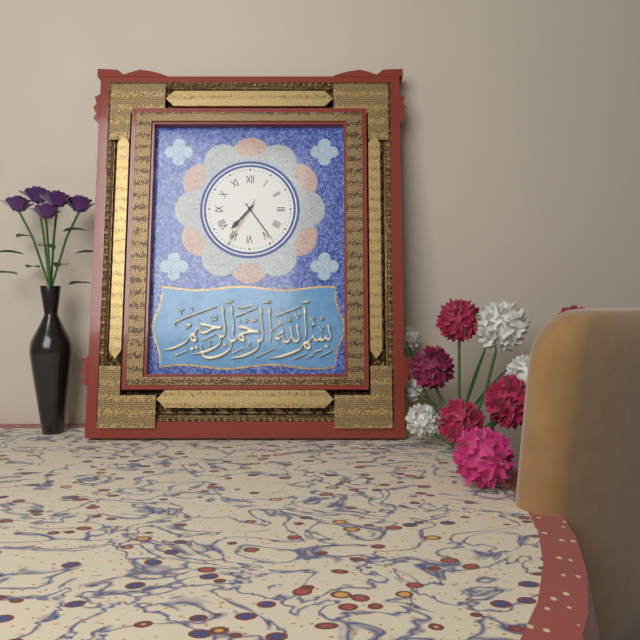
h=7 m=24 s=35
